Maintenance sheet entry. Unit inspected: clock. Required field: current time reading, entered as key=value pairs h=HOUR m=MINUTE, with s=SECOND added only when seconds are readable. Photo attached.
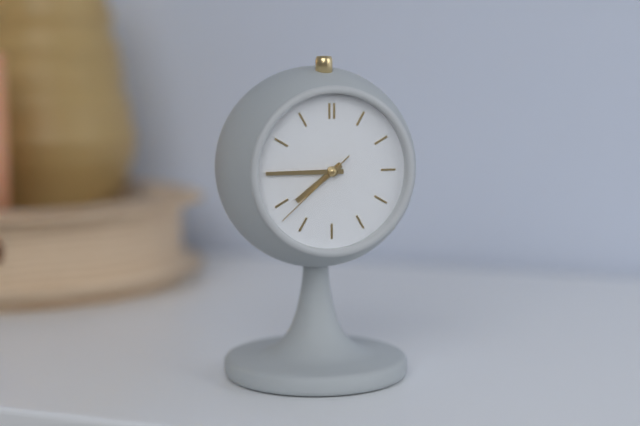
h=7 m=45 s=38
